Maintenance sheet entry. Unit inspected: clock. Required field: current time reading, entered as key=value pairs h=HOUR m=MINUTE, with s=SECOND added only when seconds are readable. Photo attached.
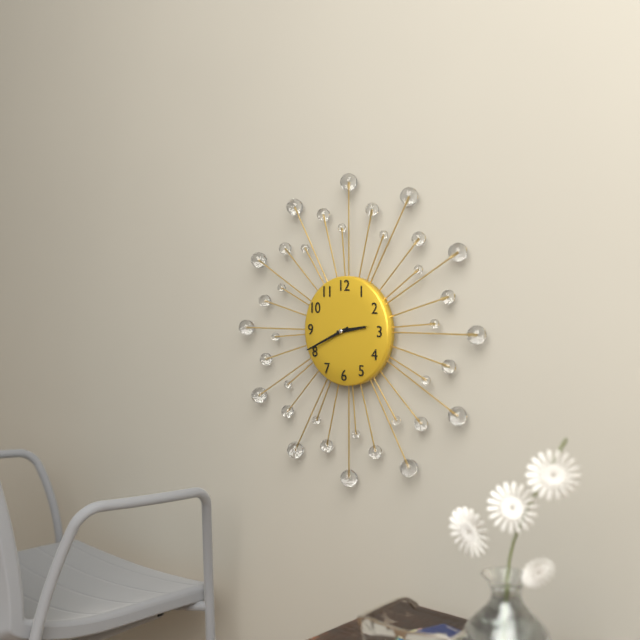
h=2 m=41
